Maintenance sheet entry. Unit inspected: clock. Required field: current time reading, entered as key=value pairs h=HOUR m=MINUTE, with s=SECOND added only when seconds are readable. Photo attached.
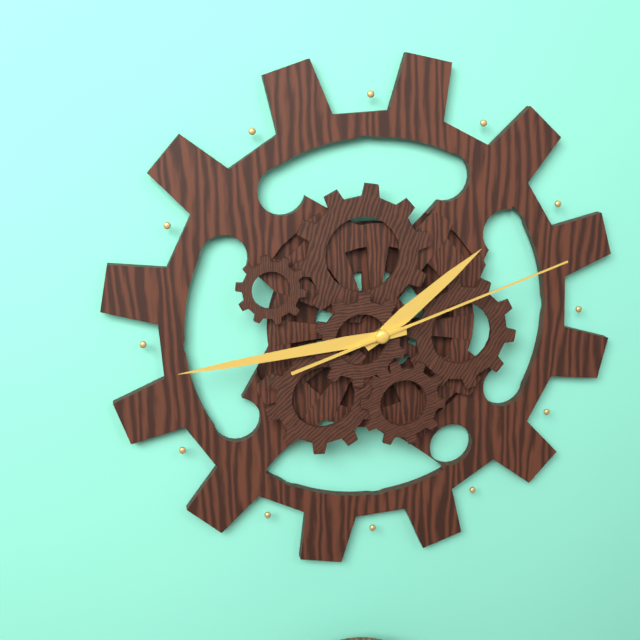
h=1 m=44 s=12
